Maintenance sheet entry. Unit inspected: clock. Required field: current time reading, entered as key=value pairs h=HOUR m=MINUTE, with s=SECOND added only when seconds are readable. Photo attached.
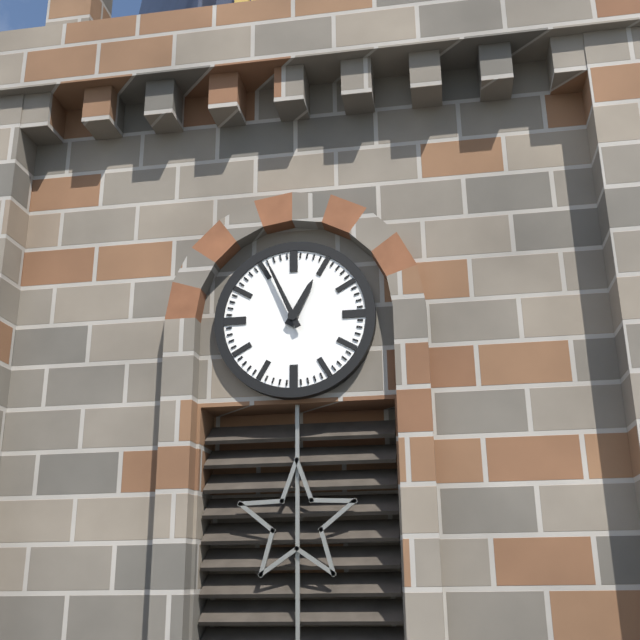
h=12 m=56
